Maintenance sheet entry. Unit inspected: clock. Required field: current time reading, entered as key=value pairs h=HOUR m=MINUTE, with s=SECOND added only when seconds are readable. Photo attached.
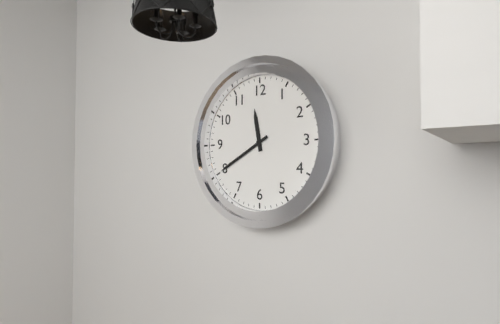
h=11 m=40
